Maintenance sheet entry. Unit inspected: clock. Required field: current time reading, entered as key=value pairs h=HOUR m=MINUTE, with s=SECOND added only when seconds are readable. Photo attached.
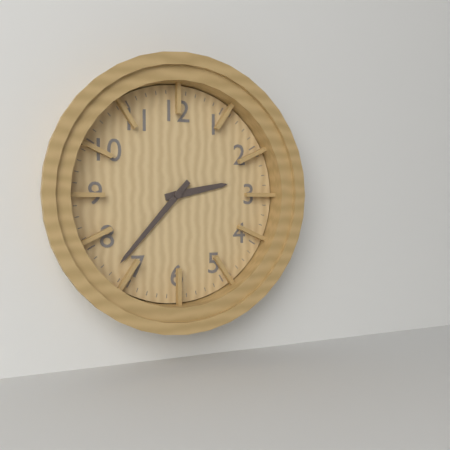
h=2 m=37
